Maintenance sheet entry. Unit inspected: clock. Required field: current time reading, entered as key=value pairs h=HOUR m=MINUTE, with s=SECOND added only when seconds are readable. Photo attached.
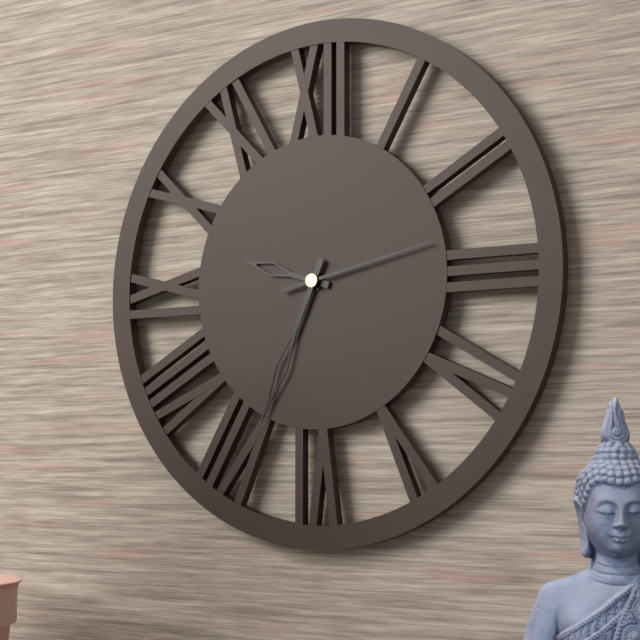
h=9 m=34 s=13
